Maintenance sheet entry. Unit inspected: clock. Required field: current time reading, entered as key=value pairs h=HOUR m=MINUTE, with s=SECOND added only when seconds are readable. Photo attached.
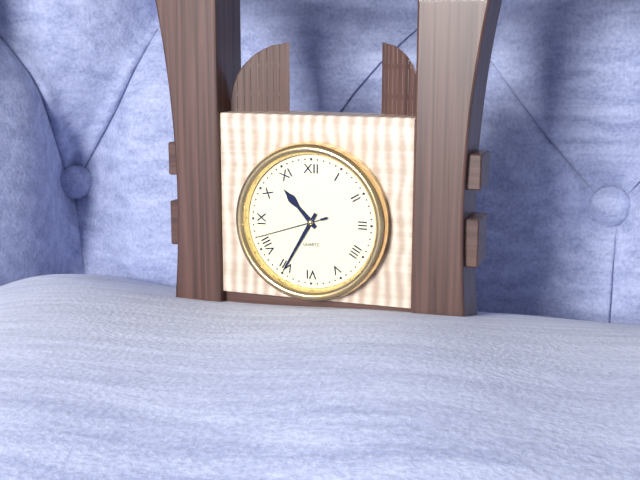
h=10 m=35 s=42
